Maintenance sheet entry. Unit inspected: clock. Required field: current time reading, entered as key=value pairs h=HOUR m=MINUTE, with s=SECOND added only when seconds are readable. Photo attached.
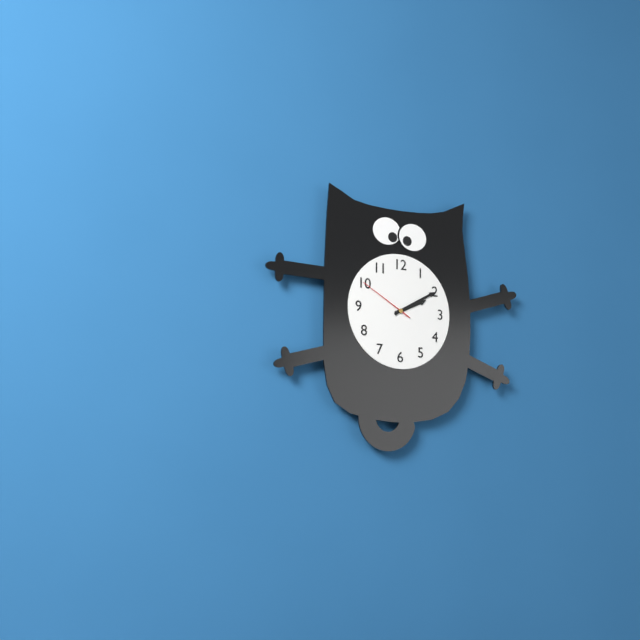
h=2 m=10 s=50
